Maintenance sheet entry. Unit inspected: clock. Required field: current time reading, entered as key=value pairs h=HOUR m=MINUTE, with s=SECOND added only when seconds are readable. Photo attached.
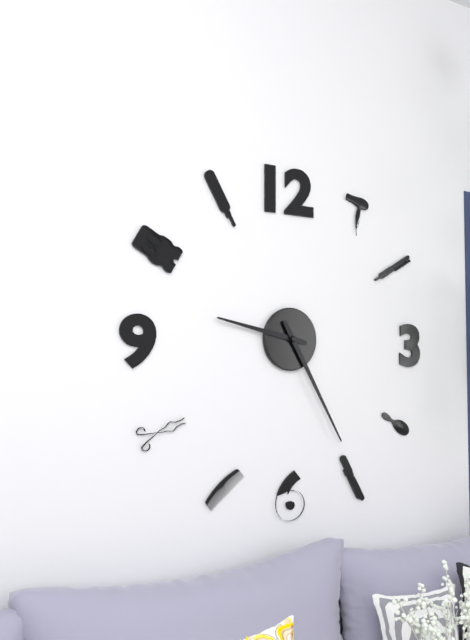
h=9 m=25
